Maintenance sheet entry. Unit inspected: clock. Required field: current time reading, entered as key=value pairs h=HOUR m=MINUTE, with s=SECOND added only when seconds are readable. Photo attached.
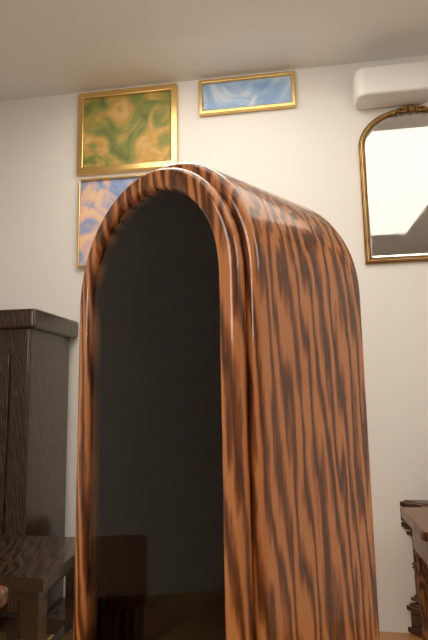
h=4 m=1
